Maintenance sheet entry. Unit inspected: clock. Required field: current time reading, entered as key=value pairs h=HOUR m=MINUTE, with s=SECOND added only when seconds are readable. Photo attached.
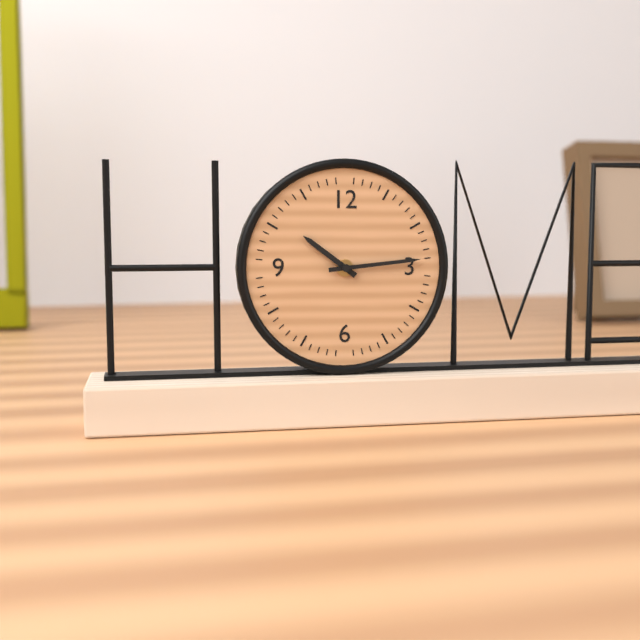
h=10 m=14
